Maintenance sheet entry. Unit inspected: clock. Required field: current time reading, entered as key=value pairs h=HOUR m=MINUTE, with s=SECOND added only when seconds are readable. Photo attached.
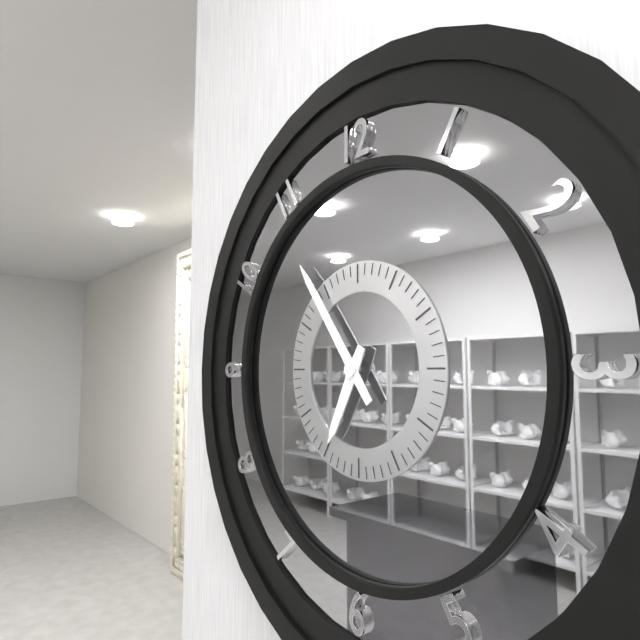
h=6 m=54
